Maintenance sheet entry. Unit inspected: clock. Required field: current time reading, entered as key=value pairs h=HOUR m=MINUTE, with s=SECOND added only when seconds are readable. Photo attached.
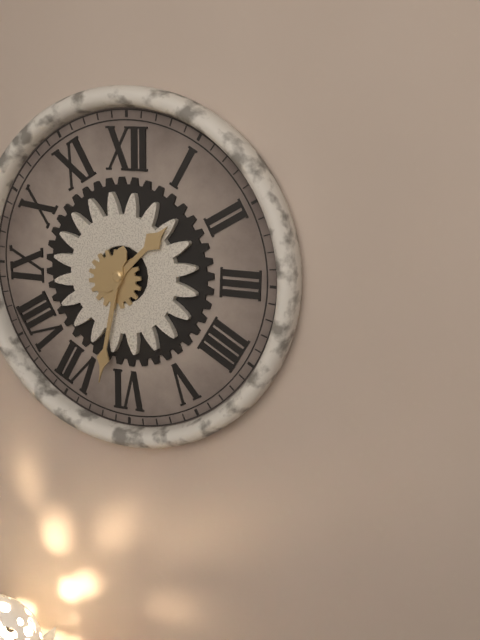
h=1 m=32
